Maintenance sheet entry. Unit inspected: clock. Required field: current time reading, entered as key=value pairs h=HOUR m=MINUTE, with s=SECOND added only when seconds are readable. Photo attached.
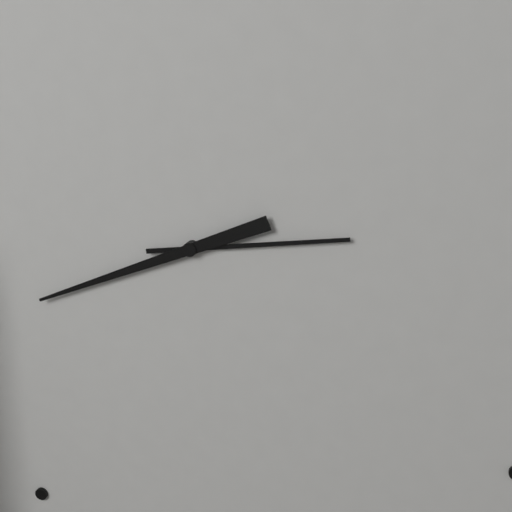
h=2 m=41
